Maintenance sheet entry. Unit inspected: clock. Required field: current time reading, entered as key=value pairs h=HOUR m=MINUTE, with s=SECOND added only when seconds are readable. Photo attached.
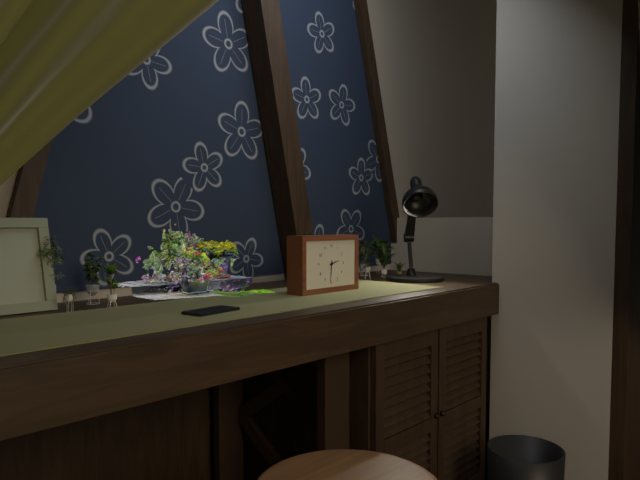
h=2 m=31
